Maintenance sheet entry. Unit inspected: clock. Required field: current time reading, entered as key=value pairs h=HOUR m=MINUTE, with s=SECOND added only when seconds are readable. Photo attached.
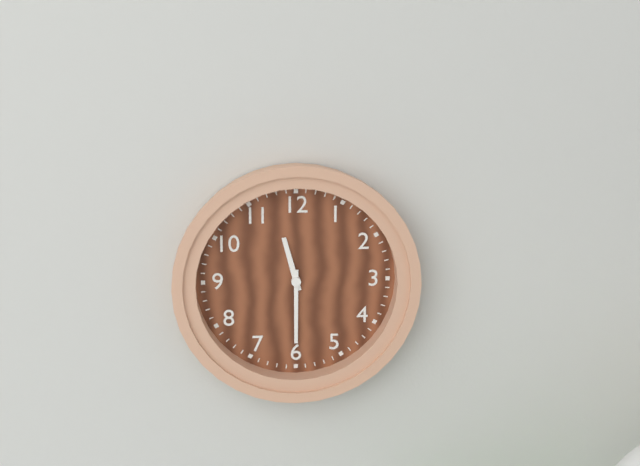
h=11 m=30
